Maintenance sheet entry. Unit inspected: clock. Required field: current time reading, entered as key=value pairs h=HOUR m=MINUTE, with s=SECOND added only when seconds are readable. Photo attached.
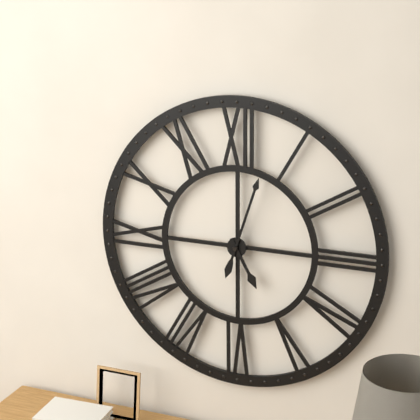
h=5 m=3
